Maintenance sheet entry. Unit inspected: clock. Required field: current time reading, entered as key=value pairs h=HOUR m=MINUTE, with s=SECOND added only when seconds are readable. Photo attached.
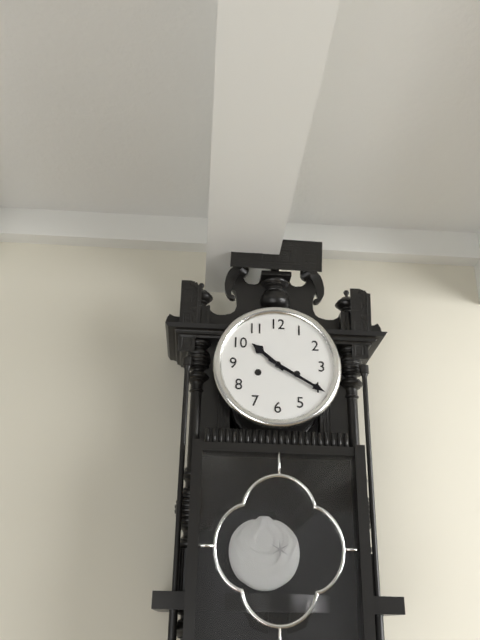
h=10 m=20
